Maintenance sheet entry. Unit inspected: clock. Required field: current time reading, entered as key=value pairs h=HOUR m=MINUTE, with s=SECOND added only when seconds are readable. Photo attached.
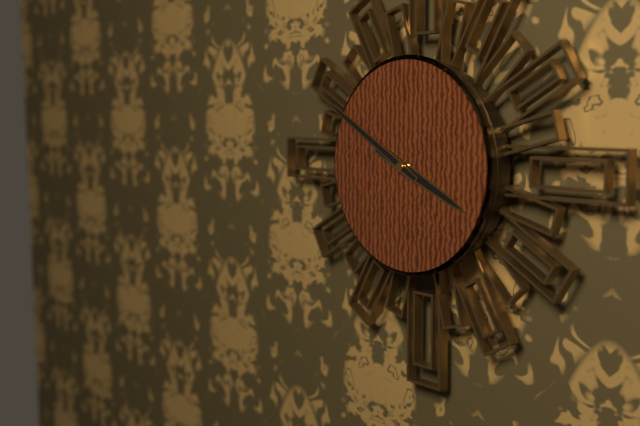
h=3 m=50
